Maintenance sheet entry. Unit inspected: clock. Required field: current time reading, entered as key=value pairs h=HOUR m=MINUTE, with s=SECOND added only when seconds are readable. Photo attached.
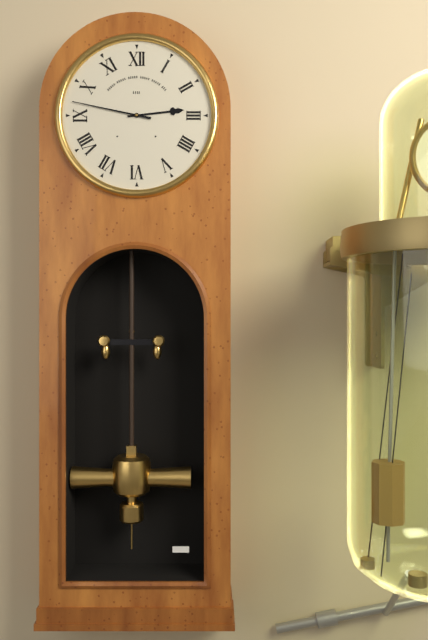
h=2 m=47
